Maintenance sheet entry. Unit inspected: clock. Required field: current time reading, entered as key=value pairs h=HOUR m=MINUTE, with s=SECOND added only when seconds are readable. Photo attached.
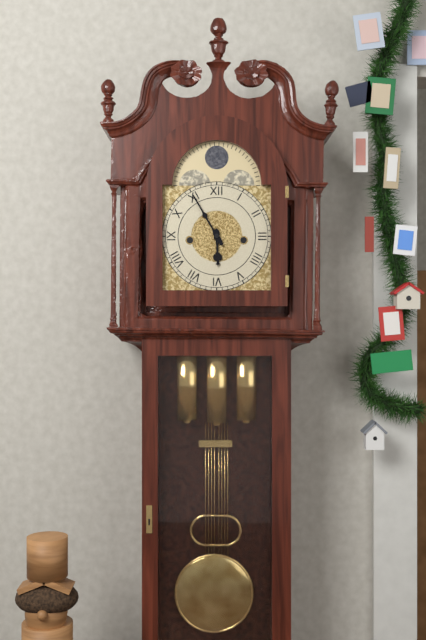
h=5 m=55
